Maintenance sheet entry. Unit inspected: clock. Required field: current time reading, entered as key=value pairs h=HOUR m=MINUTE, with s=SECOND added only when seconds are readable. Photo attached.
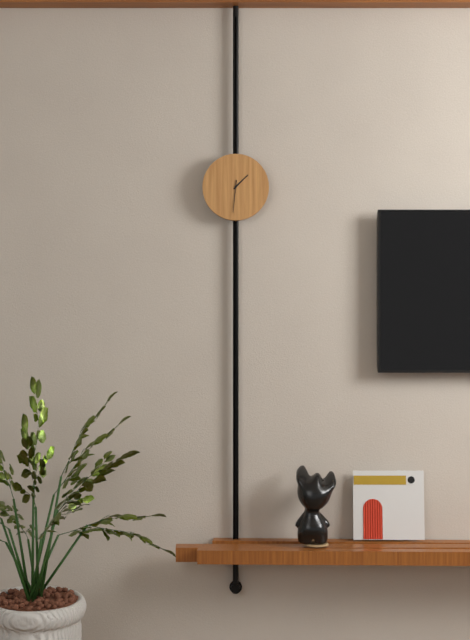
h=1 m=31
